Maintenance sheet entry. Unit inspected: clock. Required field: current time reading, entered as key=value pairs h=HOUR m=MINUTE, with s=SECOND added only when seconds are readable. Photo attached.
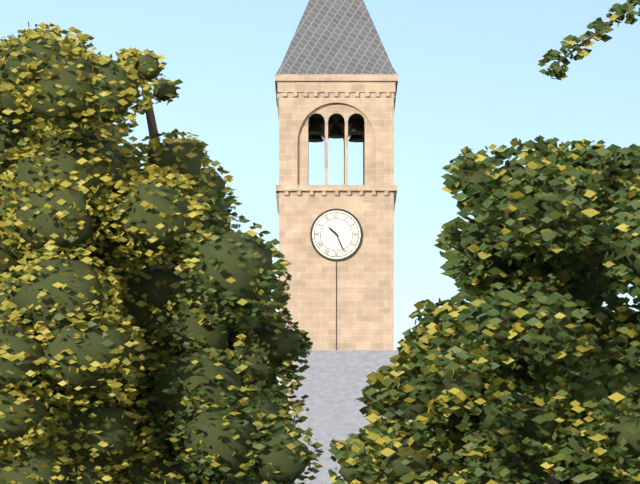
h=10 m=26
